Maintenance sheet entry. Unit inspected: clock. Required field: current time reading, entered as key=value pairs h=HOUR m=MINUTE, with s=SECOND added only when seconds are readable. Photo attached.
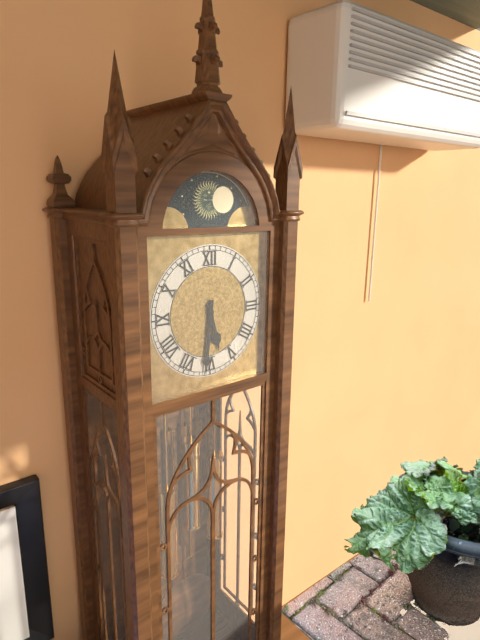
h=5 m=31
